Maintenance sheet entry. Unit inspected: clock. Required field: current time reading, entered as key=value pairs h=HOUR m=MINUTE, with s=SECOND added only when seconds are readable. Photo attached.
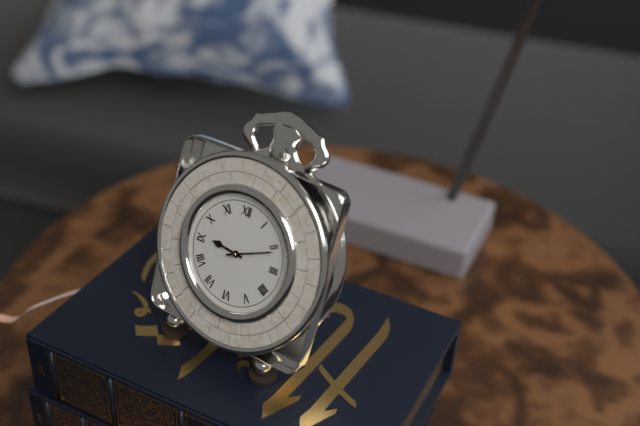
h=9 m=11
